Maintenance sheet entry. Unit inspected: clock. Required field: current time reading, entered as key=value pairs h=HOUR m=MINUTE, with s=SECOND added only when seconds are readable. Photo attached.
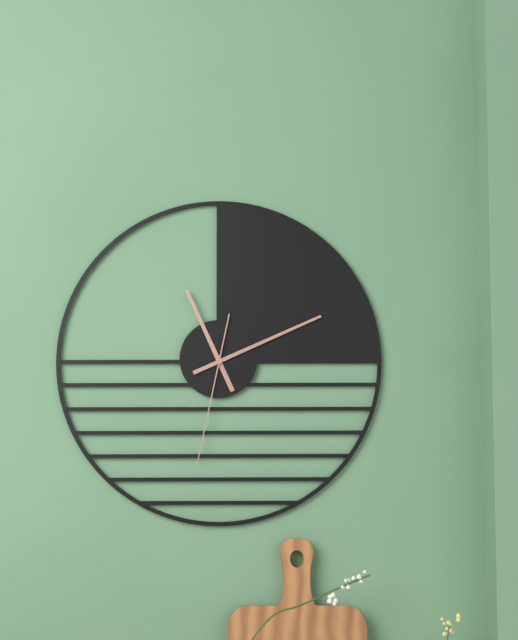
h=11 m=11 s=32
